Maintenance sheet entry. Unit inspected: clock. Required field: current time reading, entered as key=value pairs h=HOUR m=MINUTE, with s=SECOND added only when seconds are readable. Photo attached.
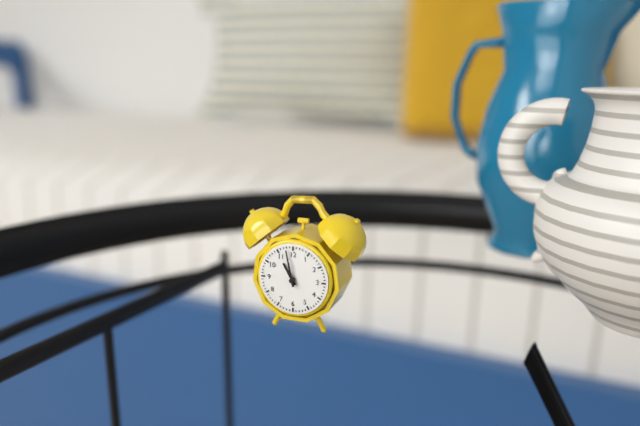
h=10 m=58
